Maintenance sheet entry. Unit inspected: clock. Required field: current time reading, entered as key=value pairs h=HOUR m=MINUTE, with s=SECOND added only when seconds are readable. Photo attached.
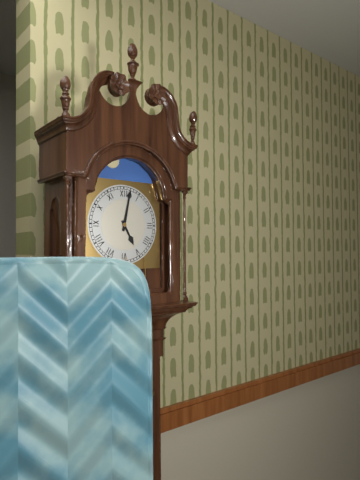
h=5 m=2
